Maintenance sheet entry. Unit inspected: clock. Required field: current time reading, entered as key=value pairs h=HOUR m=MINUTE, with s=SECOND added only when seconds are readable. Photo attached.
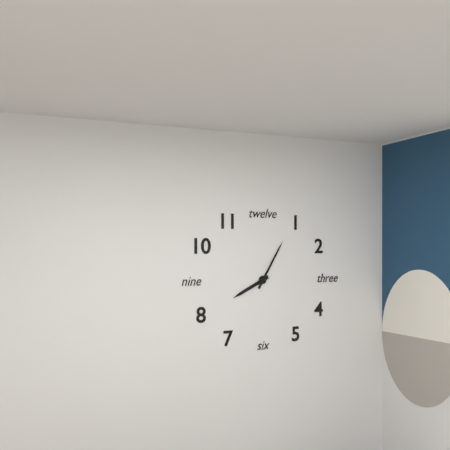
h=8 m=5
